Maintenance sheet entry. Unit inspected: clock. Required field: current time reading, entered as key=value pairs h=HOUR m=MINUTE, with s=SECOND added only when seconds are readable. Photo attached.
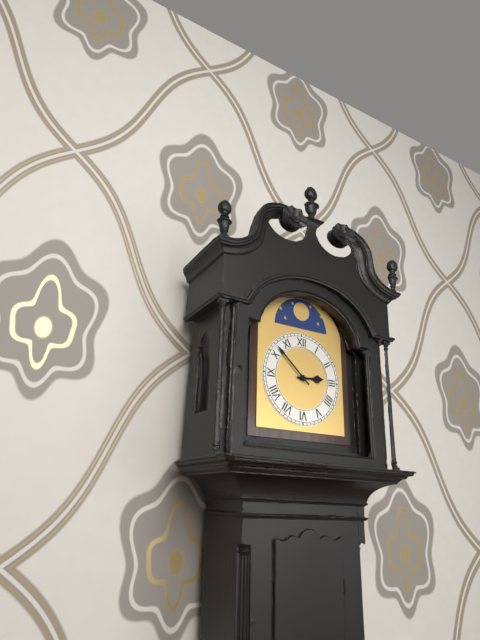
h=2 m=52
